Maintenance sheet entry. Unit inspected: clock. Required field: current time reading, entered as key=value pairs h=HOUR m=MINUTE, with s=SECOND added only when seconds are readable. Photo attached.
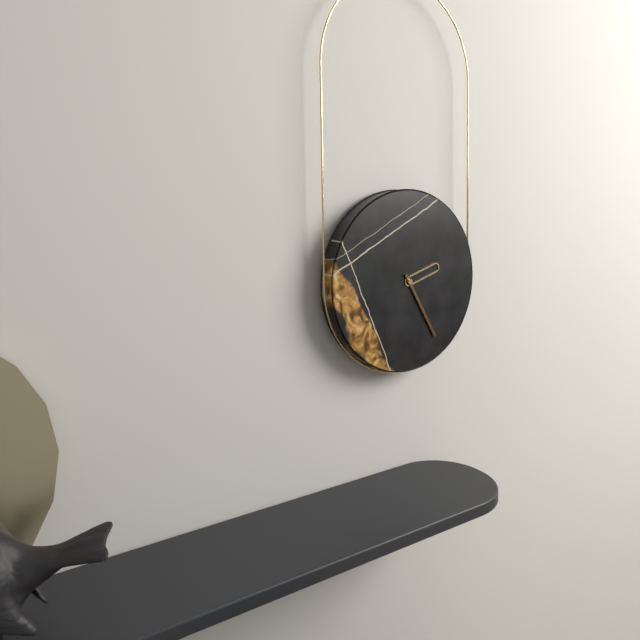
h=2 m=25
